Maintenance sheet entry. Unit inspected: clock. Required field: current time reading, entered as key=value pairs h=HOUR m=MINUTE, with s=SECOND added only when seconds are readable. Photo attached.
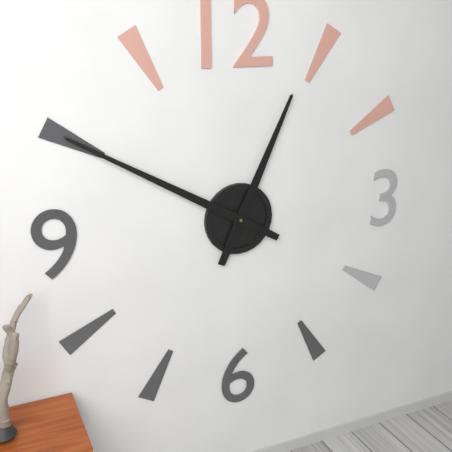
h=12 m=50
